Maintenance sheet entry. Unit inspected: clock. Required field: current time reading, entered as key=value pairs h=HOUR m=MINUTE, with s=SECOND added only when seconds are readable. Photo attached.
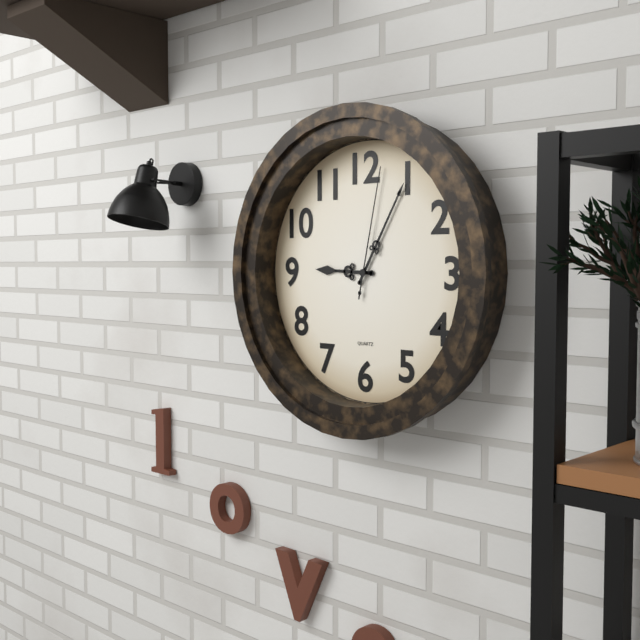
h=9 m=5 s=2
